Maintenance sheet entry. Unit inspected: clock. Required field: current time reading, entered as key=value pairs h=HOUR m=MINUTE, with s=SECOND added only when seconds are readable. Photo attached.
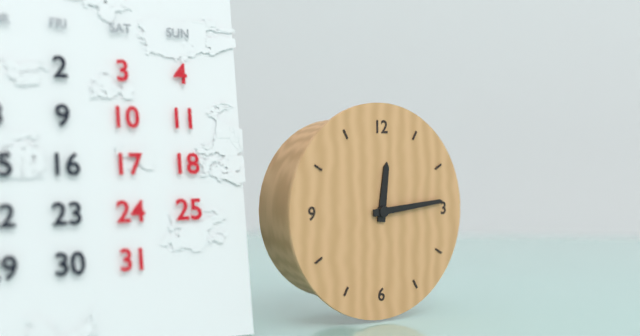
h=12 m=14
